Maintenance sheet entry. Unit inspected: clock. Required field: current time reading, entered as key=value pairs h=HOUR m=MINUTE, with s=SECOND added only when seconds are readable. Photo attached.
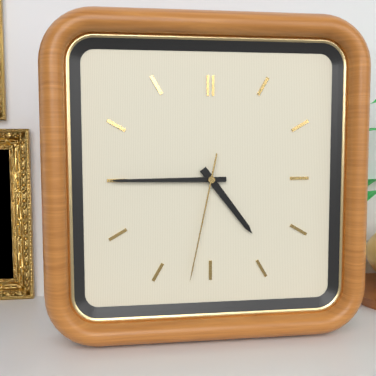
h=4 m=45 s=32
